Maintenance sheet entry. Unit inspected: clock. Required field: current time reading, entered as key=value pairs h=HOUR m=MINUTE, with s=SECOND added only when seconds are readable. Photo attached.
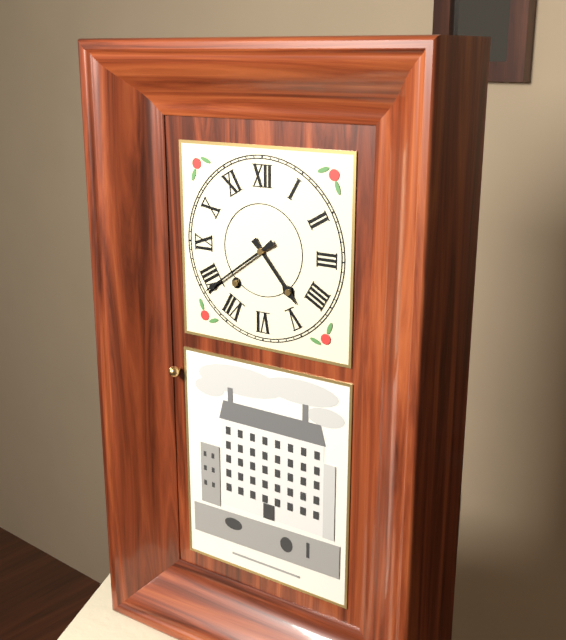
h=4 m=39
